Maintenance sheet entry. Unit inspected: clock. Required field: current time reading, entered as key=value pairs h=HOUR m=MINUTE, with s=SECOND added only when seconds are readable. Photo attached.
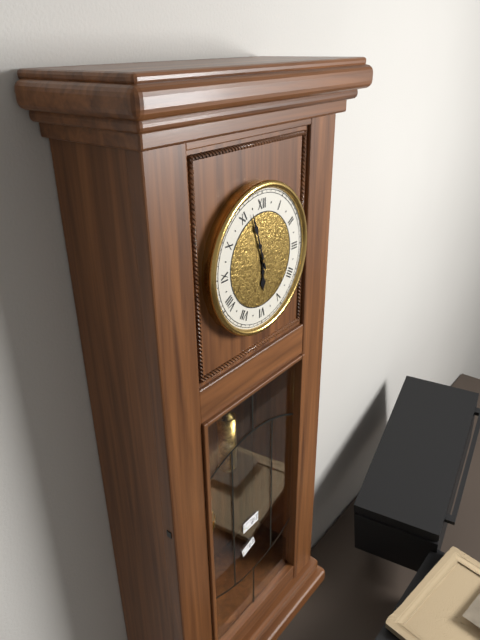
h=5 m=57
